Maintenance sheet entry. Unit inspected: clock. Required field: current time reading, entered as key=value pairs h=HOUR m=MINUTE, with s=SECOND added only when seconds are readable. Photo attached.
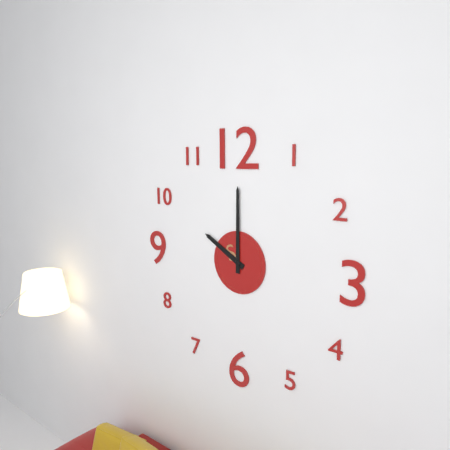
h=10 m=0
